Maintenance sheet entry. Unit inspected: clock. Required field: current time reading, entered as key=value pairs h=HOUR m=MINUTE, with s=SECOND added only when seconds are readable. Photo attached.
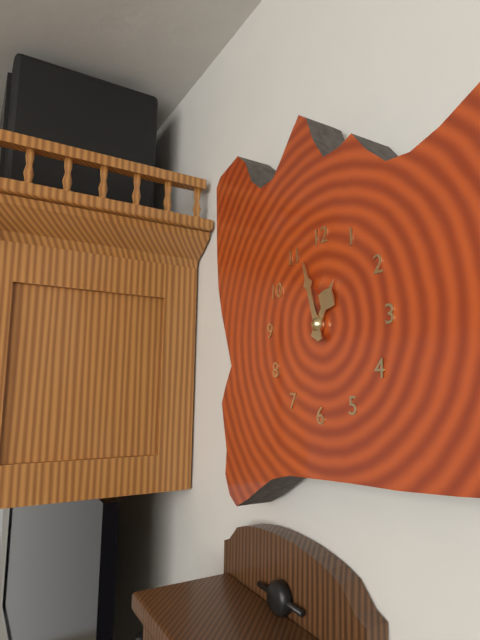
h=12 m=57
